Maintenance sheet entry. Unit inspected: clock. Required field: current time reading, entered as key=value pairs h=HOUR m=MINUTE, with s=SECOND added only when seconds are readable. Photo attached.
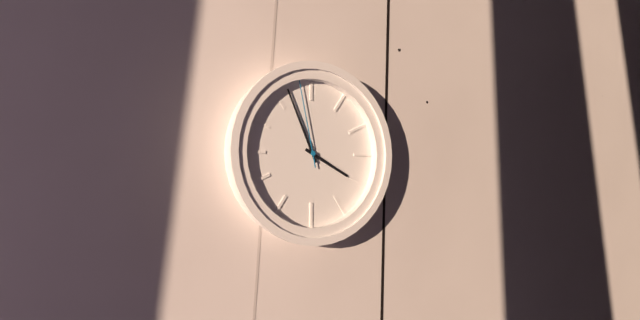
h=3 m=56 s=58
